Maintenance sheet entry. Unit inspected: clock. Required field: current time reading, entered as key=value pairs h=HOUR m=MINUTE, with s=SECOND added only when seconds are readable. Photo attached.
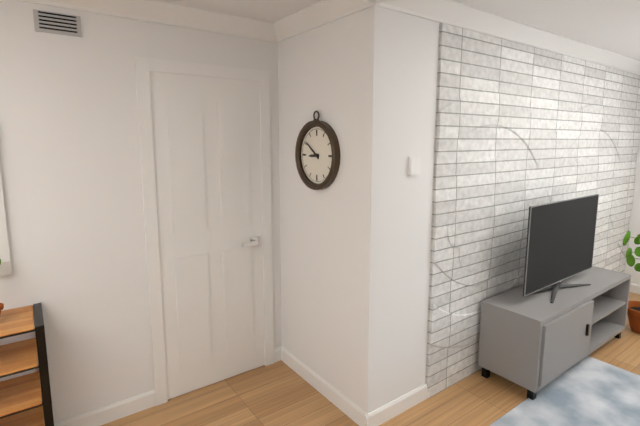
h=8 m=51
